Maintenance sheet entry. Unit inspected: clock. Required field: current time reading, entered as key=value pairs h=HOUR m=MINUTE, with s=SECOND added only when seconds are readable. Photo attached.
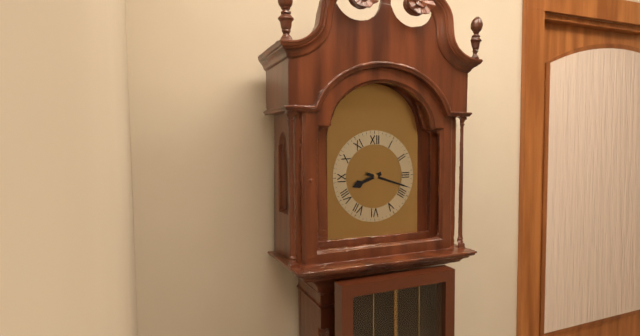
h=8 m=18
